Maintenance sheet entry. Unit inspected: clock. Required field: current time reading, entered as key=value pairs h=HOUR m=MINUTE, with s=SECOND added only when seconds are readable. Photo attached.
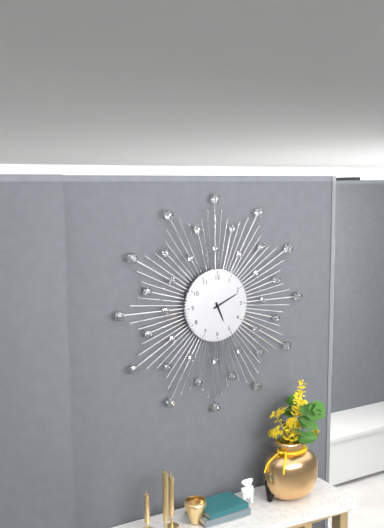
h=5 m=11
